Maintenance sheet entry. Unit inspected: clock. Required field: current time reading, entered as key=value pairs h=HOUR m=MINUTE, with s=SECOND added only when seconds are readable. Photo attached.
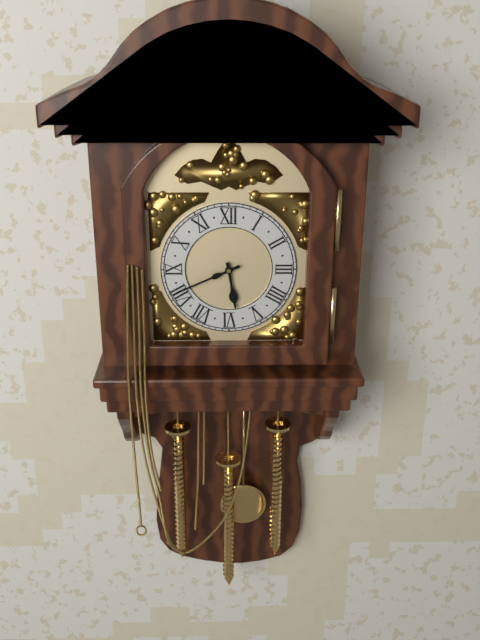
h=5 m=41
